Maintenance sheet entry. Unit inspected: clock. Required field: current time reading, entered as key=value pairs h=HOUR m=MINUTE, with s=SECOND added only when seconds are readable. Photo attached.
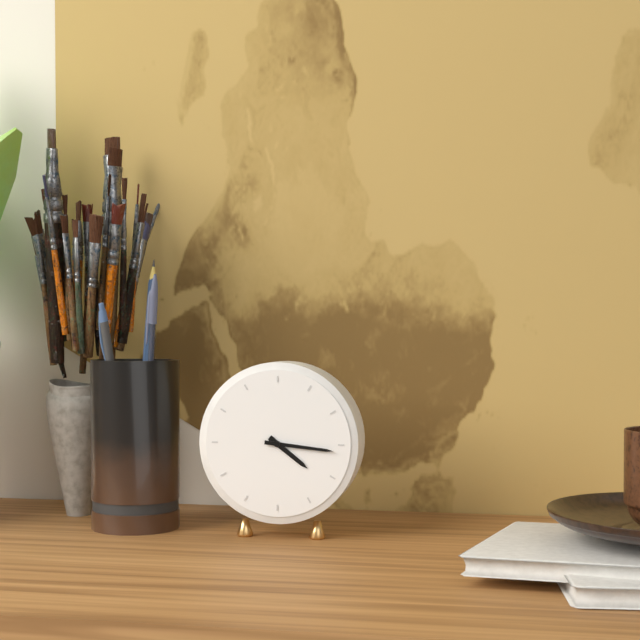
h=4 m=16
